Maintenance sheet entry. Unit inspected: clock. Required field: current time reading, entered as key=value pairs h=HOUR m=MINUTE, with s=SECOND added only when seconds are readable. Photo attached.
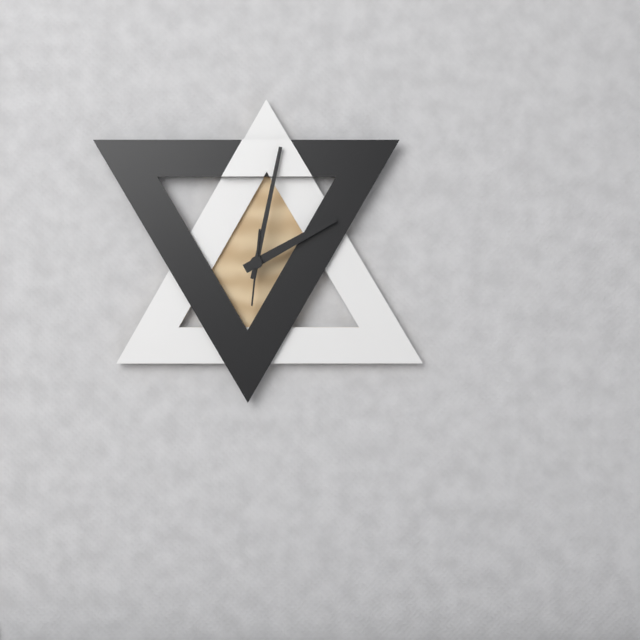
h=2 m=2 s=31
